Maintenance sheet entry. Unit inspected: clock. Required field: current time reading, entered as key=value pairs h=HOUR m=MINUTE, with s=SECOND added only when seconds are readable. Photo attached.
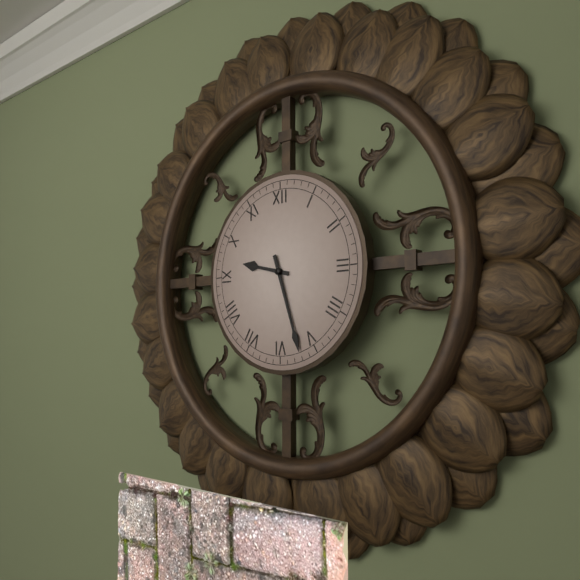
h=9 m=27
